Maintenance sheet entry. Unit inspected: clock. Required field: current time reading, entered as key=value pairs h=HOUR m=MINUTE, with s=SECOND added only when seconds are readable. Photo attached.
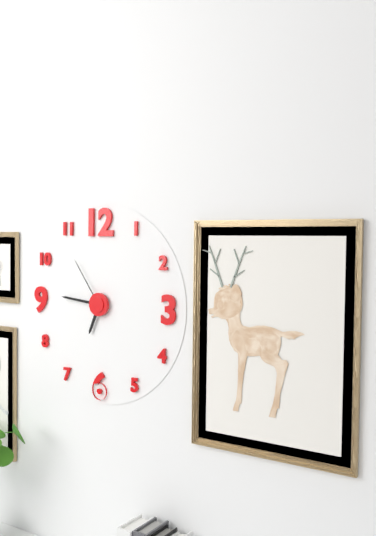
h=6 m=46 s=54
